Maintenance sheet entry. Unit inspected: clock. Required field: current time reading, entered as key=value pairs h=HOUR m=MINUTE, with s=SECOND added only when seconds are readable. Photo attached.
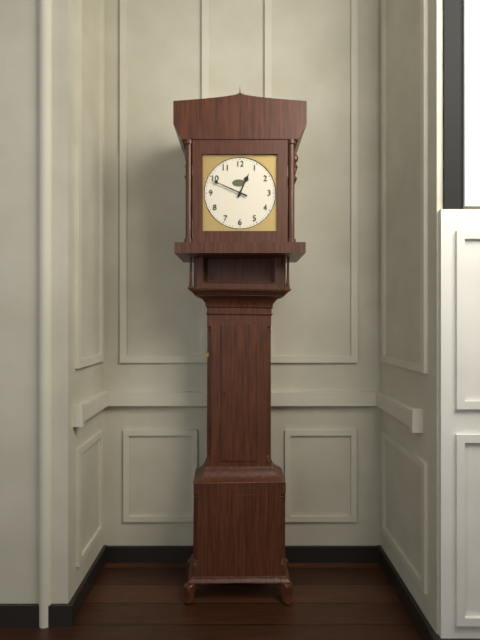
h=12 m=49
